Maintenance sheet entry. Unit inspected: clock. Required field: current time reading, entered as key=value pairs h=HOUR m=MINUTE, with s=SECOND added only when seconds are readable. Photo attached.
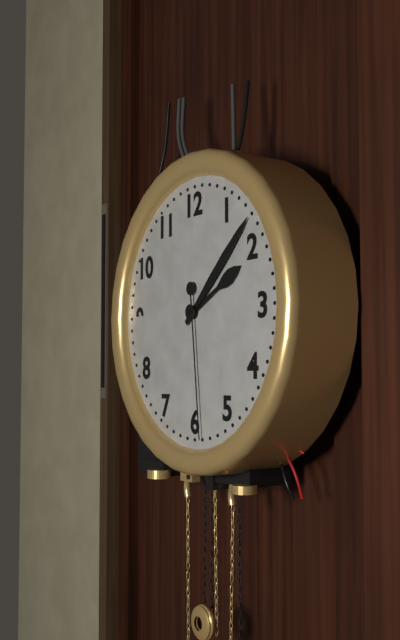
h=2 m=8 s=29
